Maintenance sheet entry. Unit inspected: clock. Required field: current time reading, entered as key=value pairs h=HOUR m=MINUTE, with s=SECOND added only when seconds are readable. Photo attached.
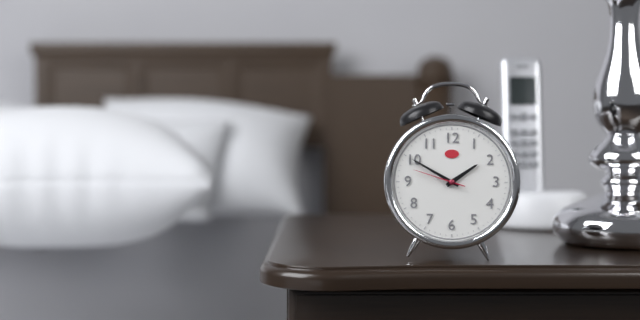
h=1 m=50 s=48
